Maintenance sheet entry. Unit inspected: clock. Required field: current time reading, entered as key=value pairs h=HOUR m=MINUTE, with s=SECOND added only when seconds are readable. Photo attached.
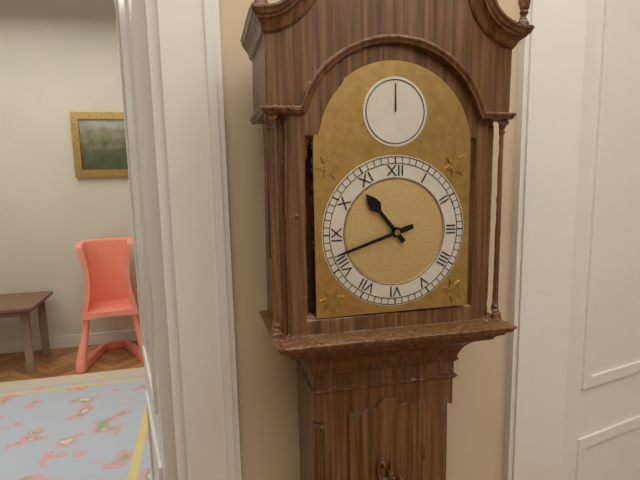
h=10 m=42
